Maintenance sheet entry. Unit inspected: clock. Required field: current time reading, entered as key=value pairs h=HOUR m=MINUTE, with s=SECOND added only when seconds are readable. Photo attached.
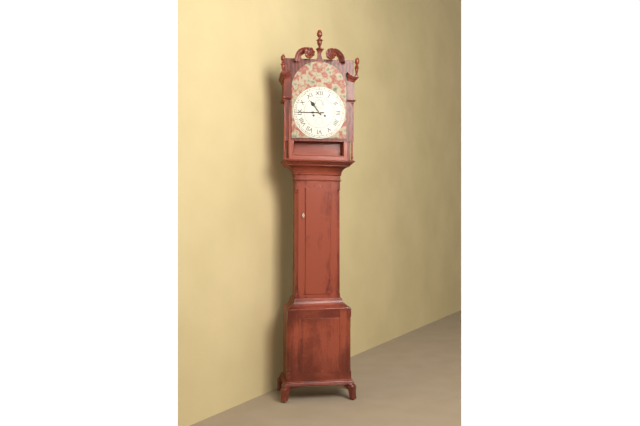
h=10 m=45
